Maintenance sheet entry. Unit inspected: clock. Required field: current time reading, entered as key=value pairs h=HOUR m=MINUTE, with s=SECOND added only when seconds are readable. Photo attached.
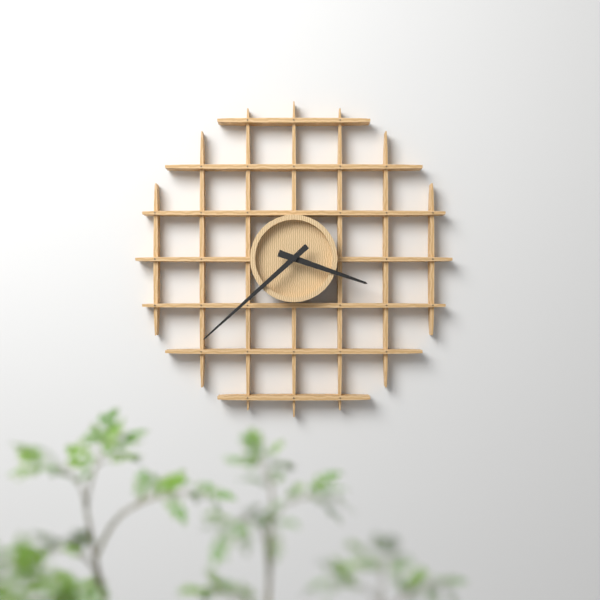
h=3 m=38
